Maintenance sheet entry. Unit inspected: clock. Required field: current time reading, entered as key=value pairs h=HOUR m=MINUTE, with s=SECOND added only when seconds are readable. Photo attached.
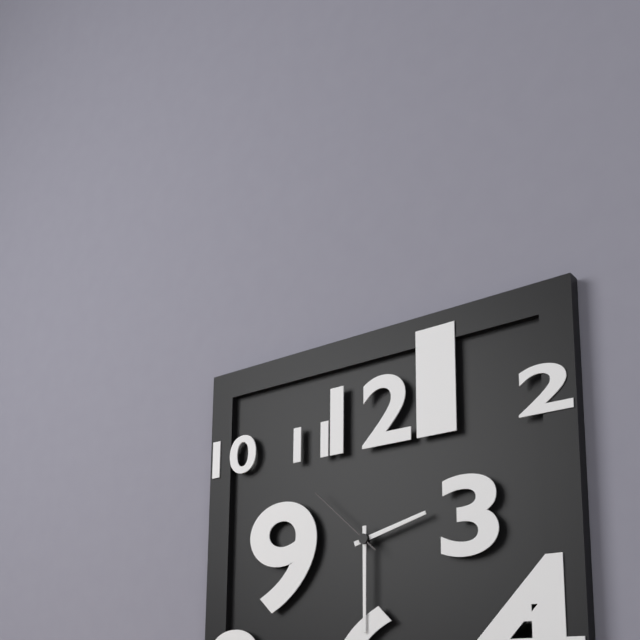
h=2 m=30 s=52
